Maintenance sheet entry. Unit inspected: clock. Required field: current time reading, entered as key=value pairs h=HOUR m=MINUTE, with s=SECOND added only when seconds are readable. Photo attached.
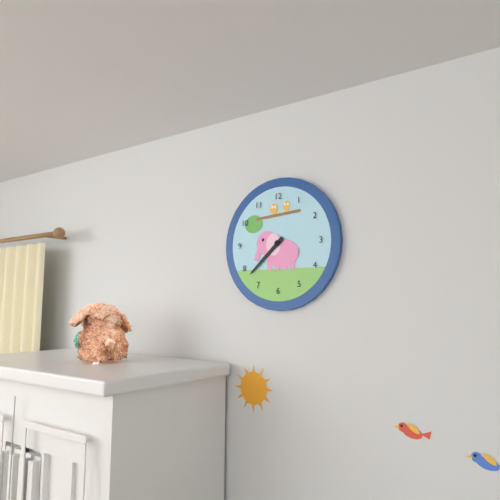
h=7 m=38
